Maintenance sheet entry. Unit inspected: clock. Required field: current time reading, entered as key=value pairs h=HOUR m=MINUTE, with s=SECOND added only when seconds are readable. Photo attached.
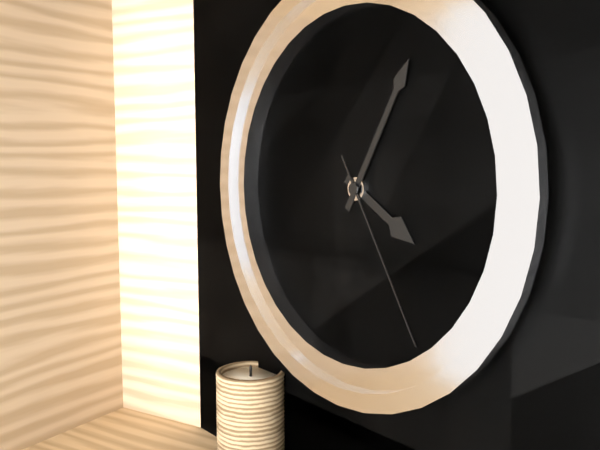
h=4 m=5 s=25
